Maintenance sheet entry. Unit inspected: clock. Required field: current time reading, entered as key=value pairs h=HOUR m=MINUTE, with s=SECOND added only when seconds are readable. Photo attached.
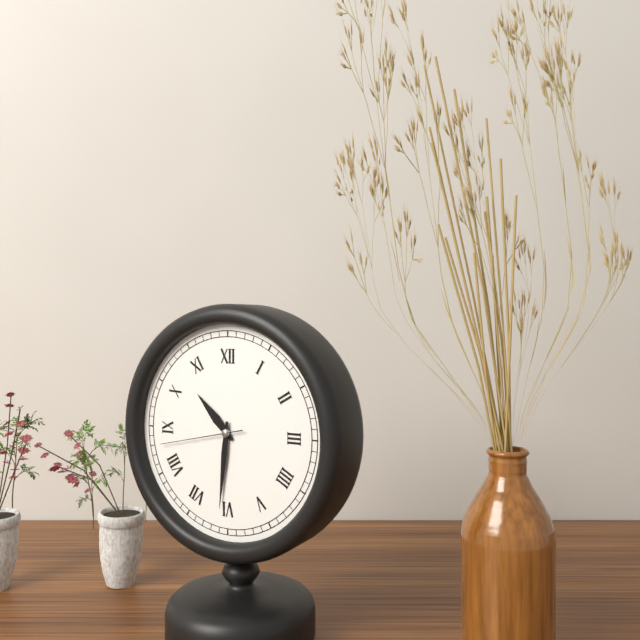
h=10 m=31 s=43
